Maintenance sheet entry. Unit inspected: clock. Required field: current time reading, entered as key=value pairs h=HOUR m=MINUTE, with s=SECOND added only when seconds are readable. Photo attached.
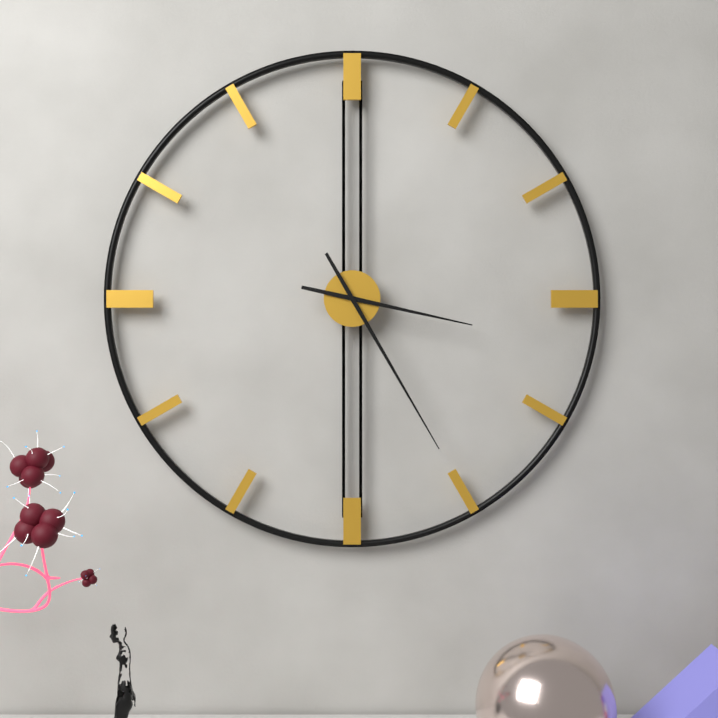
h=3 m=25
